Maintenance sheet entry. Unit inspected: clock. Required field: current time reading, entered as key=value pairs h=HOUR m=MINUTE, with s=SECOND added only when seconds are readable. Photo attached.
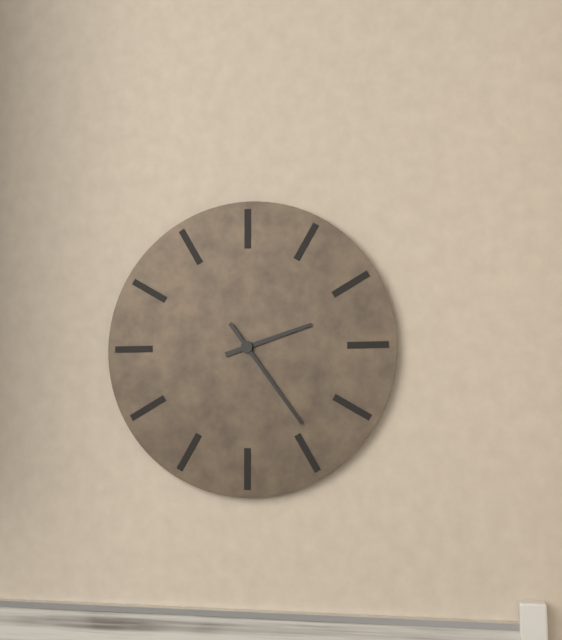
h=2 m=24
